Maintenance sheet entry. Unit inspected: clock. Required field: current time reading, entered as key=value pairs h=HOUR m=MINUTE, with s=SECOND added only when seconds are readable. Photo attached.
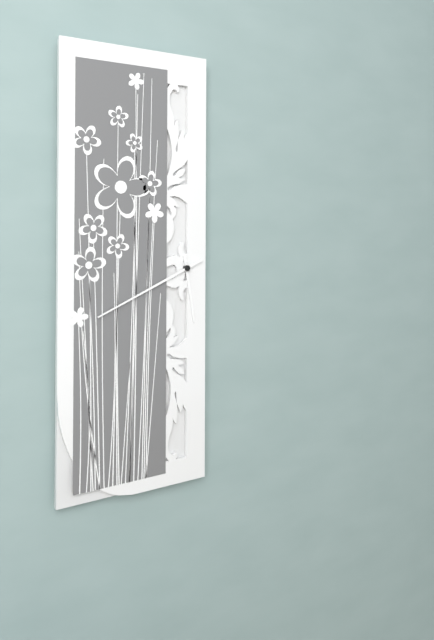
h=5 m=41
